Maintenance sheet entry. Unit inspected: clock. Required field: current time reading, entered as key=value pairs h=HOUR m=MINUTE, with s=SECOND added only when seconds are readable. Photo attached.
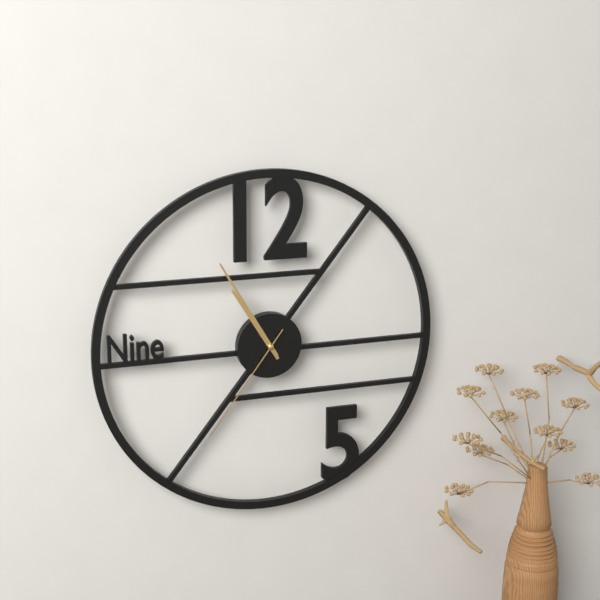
h=10 m=55 s=36
